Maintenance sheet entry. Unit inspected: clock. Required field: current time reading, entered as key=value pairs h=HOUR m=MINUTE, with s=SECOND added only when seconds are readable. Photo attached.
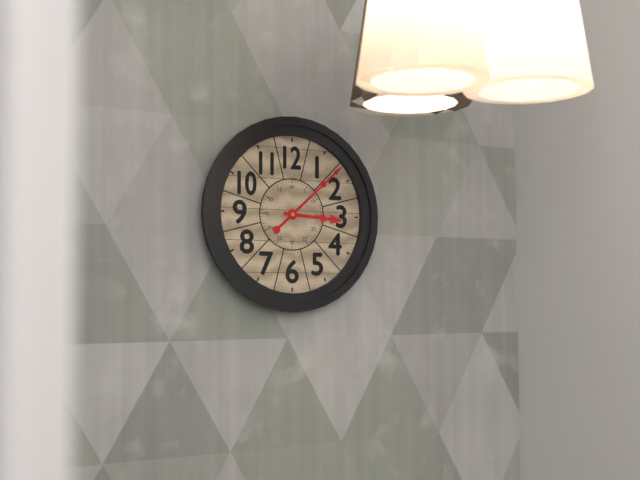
h=3 m=8
